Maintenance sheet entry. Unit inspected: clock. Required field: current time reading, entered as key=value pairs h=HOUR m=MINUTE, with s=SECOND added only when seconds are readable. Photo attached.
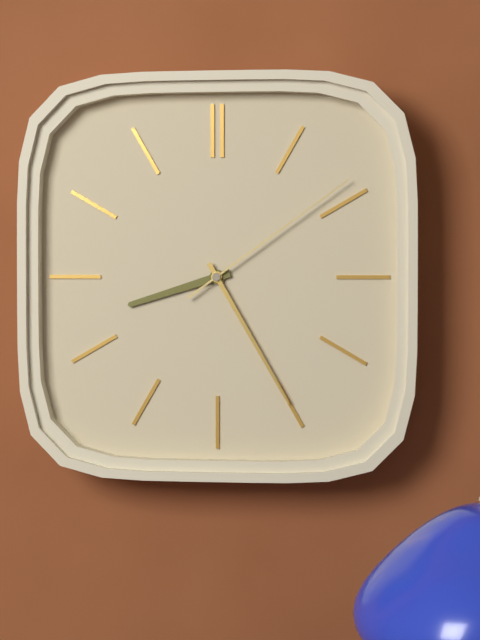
h=8 m=25 s=9
